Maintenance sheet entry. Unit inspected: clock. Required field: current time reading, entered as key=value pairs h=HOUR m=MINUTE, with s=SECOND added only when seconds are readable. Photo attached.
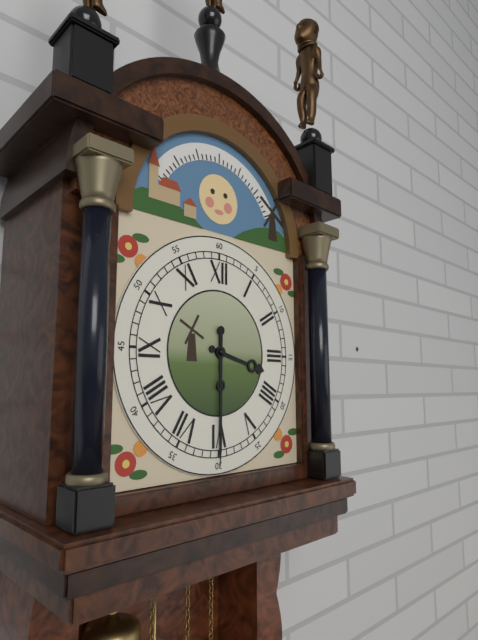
h=3 m=30
